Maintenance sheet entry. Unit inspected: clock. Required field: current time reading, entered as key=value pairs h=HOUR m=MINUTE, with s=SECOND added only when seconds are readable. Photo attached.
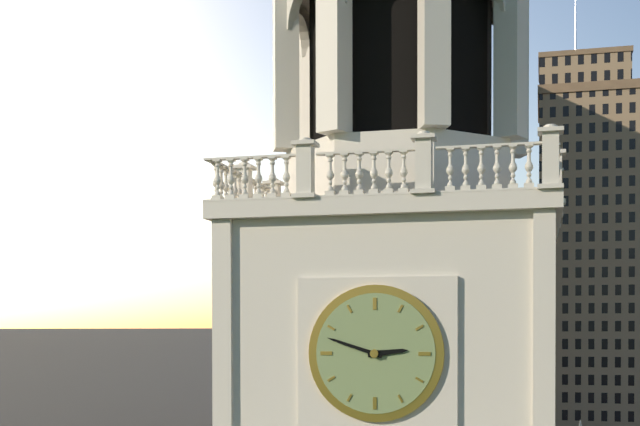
h=2 m=48
